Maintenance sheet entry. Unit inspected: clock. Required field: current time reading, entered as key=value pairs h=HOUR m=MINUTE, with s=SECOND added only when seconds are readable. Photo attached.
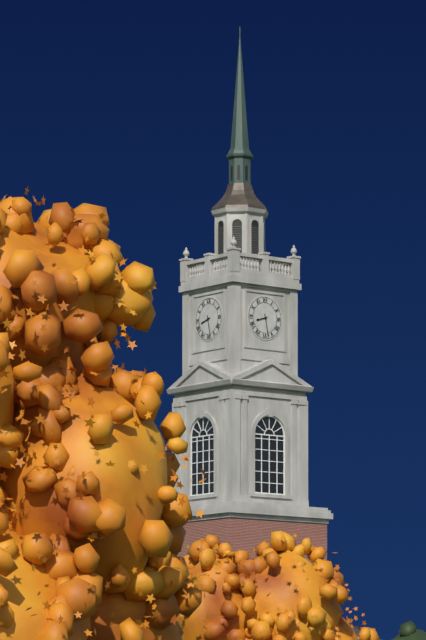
h=8 m=28
